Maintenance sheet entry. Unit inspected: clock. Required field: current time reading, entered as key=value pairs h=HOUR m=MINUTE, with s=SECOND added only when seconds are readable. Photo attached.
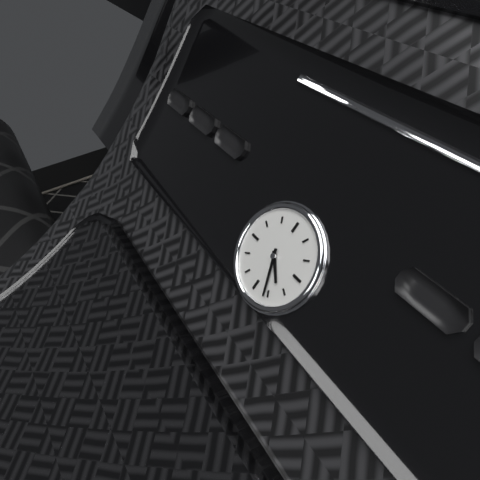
h=4 m=26
